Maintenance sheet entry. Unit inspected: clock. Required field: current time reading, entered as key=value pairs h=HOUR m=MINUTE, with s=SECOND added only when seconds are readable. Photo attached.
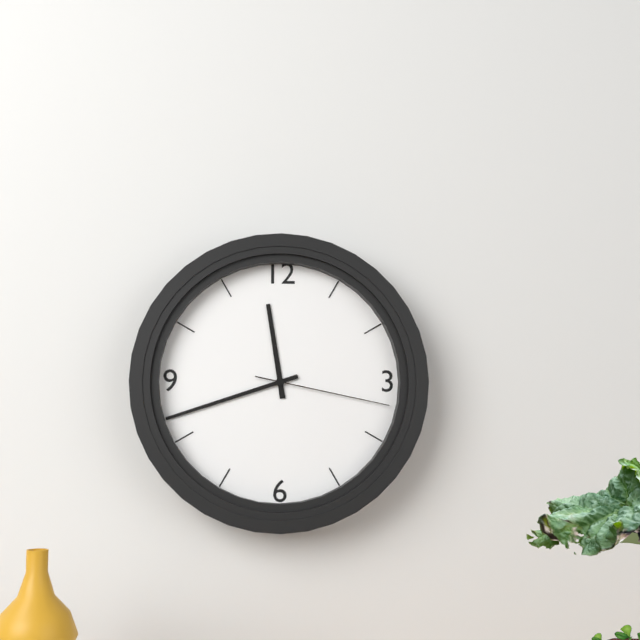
h=11 m=42 s=17
